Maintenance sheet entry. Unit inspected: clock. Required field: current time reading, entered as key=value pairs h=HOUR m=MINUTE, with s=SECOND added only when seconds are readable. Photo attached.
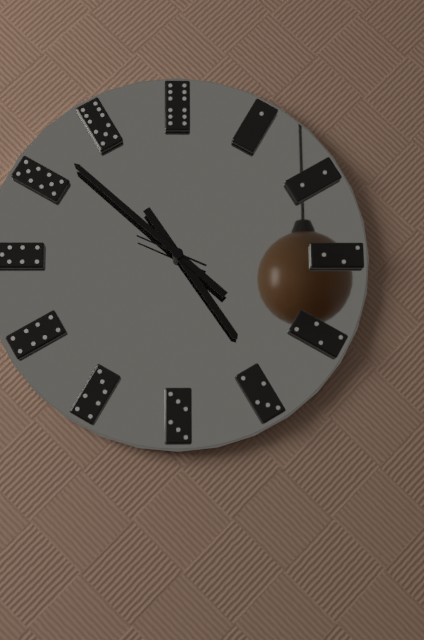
h=4 m=52 s=49
